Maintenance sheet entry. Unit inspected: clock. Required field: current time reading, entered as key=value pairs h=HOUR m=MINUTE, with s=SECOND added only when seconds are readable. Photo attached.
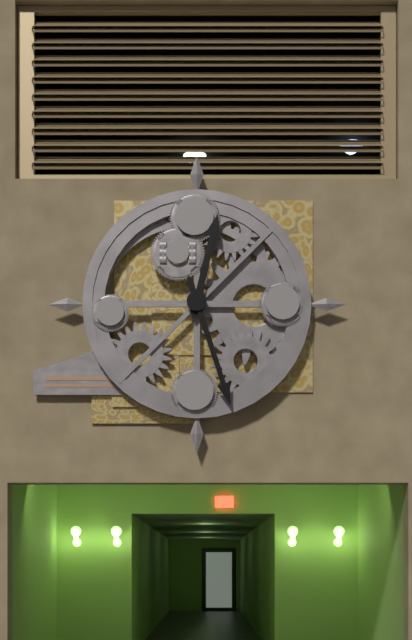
h=12 m=27
